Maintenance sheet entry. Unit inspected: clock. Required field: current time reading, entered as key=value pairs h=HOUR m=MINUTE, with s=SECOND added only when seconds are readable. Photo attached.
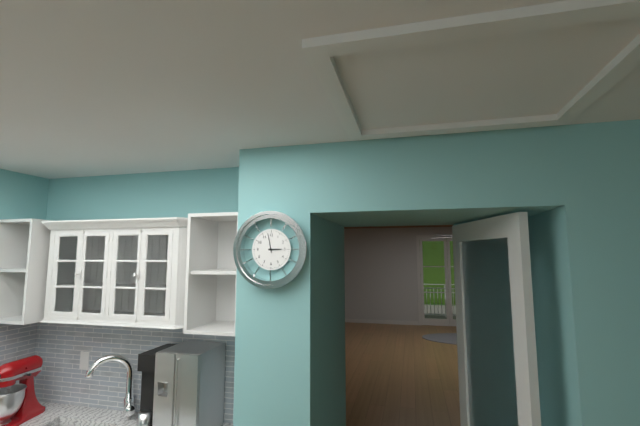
h=2 m=58
